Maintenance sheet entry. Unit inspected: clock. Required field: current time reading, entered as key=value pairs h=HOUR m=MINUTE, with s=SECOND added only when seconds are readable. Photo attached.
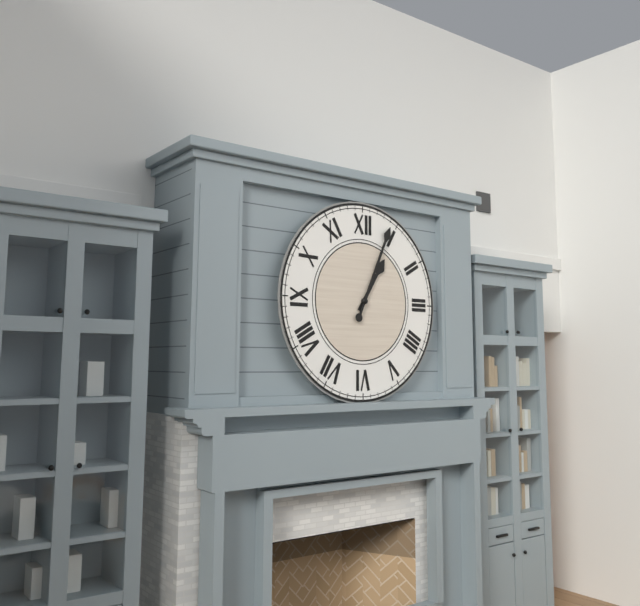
h=1 m=4
